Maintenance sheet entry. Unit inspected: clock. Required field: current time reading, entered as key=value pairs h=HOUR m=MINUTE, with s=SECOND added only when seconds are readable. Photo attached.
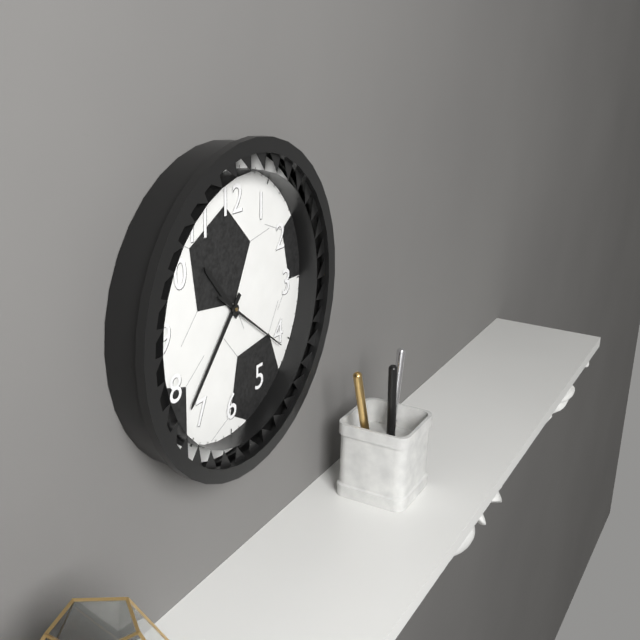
h=10 m=37 s=21
